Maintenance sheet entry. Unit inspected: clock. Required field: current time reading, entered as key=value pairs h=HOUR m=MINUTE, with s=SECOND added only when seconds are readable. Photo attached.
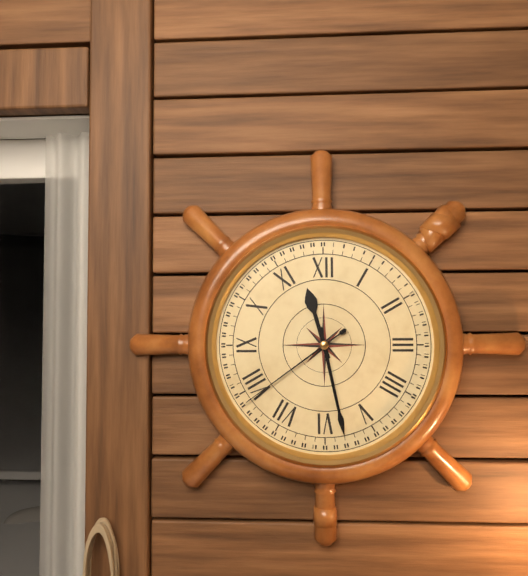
h=11 m=28 s=39
